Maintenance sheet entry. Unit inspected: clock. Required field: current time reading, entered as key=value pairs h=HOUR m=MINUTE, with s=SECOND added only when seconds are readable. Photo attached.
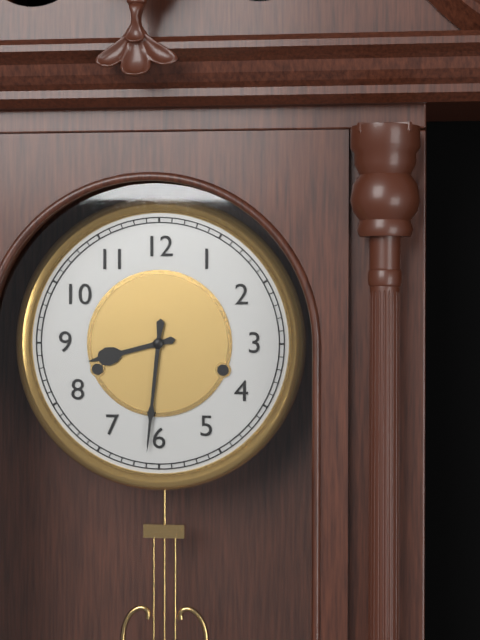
h=8 m=31
